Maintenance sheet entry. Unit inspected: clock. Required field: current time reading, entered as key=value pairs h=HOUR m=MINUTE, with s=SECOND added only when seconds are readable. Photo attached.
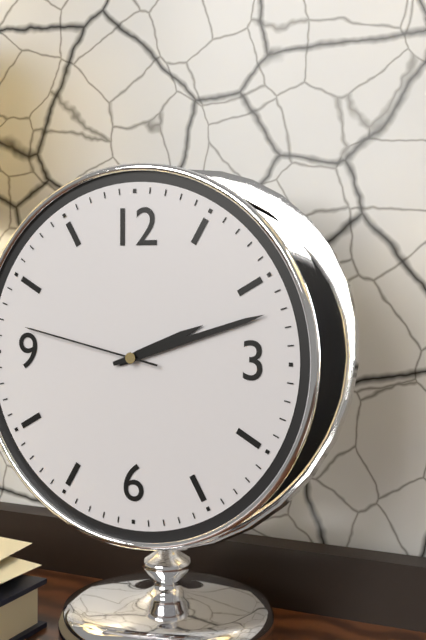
h=2 m=12 s=47
